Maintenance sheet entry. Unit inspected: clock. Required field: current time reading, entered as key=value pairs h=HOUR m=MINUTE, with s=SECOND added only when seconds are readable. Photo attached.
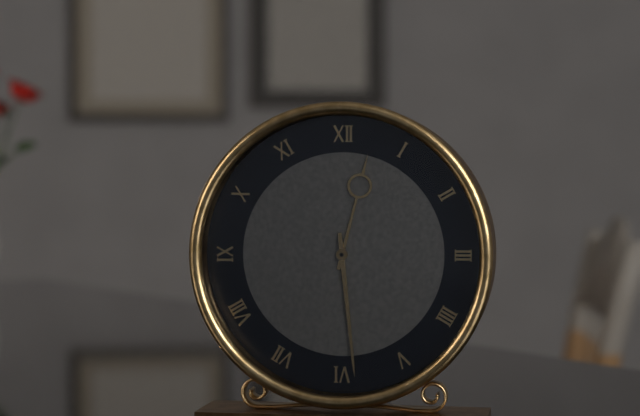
h=12 m=29
